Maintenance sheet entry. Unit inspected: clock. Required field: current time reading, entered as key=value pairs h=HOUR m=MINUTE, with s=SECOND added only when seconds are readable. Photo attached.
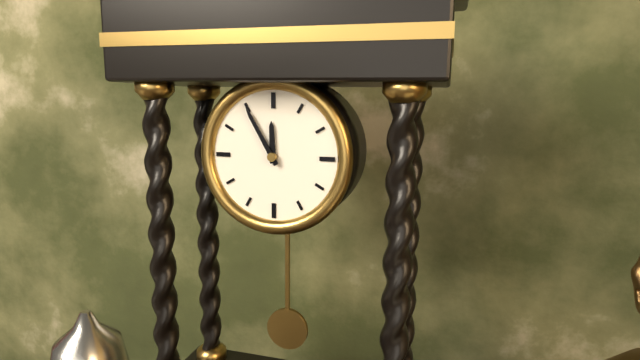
h=11 m=55
